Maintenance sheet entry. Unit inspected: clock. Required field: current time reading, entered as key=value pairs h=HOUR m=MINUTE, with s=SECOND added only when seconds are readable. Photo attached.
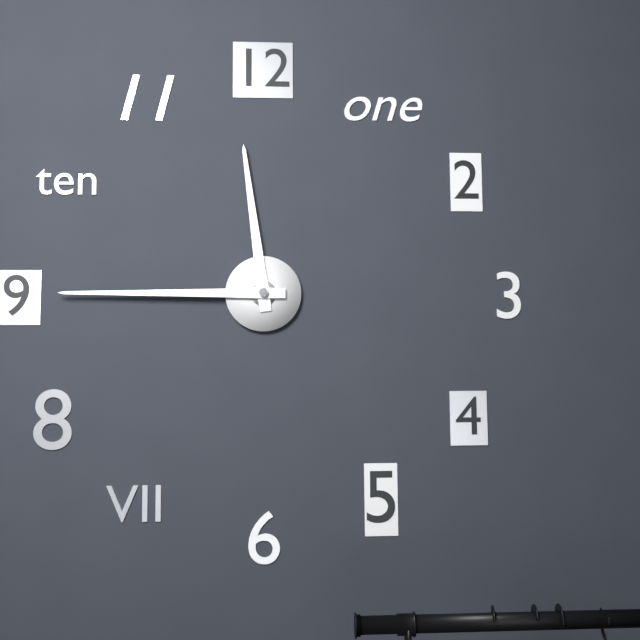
h=11 m=45
